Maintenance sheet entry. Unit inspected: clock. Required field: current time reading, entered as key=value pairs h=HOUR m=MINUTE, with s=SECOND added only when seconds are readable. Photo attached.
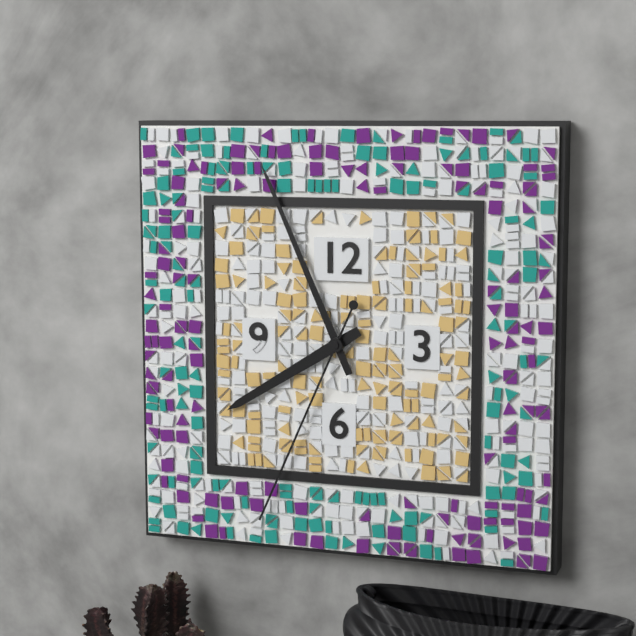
h=7 m=56 s=34
